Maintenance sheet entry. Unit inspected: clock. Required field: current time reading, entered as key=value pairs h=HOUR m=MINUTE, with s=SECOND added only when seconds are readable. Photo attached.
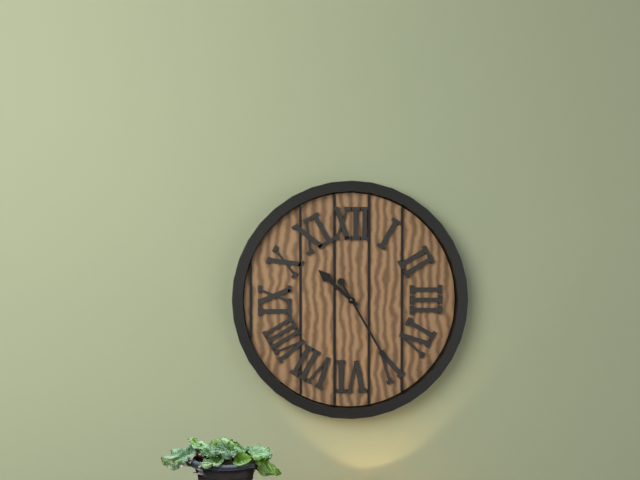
h=10 m=25
